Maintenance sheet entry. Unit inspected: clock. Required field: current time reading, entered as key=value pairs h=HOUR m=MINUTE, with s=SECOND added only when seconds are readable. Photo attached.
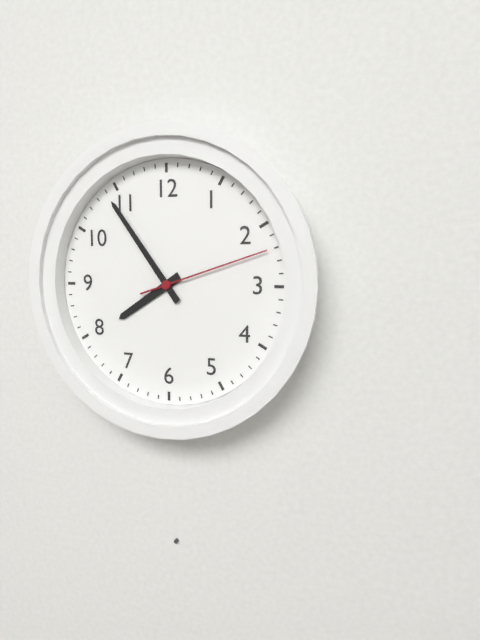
h=7 m=54 s=12
